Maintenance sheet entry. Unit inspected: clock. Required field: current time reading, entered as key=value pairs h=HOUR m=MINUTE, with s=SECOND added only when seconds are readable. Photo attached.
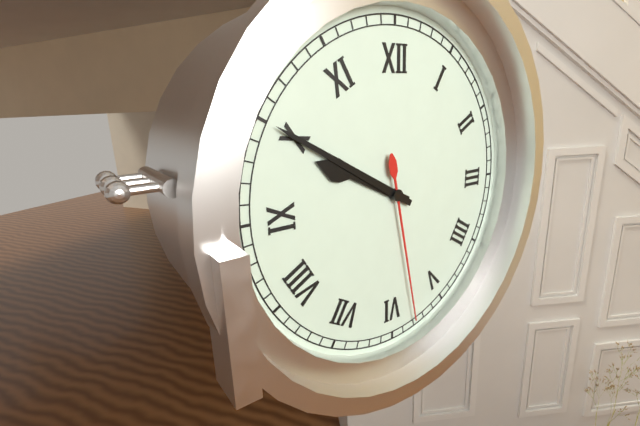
h=9 m=50 s=28
